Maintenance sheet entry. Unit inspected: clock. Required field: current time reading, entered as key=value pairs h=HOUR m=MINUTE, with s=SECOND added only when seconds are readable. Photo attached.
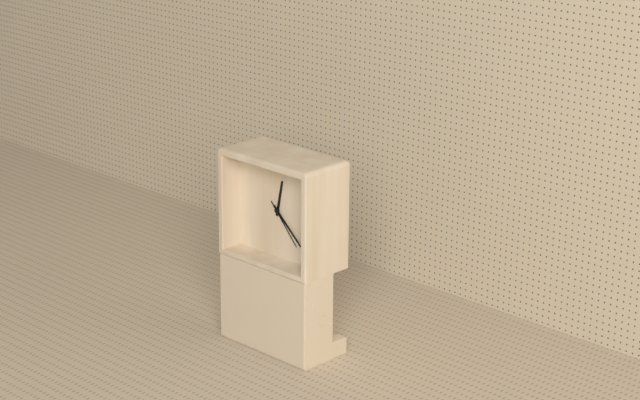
h=12 m=22 s=23
